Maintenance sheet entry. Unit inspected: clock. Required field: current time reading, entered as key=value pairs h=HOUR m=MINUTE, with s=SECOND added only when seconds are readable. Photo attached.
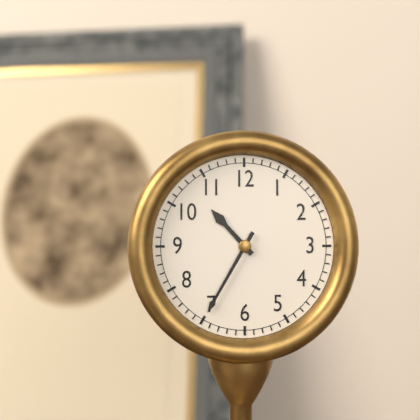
h=10 m=35
